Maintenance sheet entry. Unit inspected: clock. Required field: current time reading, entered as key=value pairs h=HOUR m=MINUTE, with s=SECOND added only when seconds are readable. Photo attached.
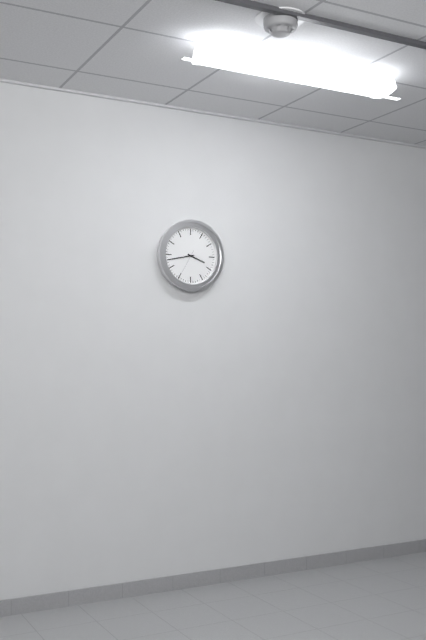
h=3 m=43
